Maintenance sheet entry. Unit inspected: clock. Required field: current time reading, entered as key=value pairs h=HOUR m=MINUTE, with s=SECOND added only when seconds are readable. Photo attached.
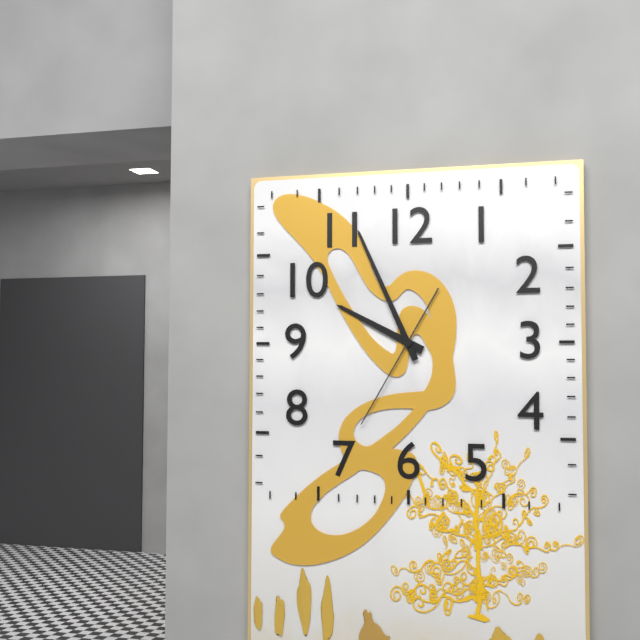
h=9 m=56 s=35
